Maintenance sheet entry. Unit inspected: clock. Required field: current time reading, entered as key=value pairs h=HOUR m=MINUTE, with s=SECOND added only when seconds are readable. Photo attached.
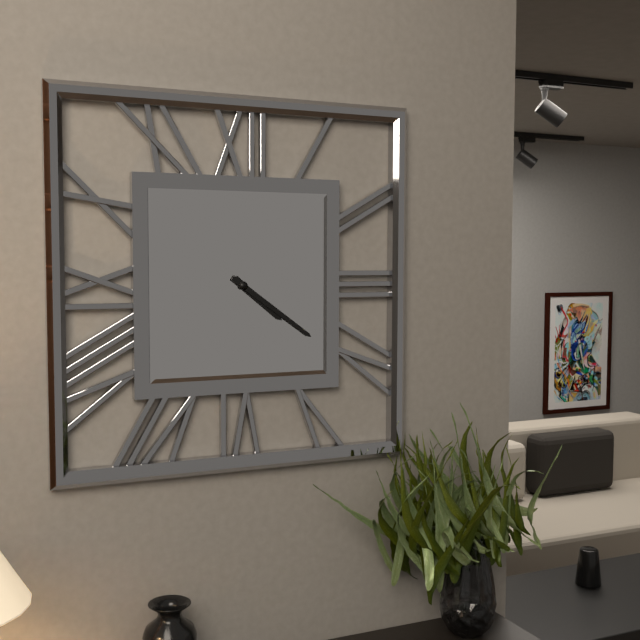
h=4 m=21
